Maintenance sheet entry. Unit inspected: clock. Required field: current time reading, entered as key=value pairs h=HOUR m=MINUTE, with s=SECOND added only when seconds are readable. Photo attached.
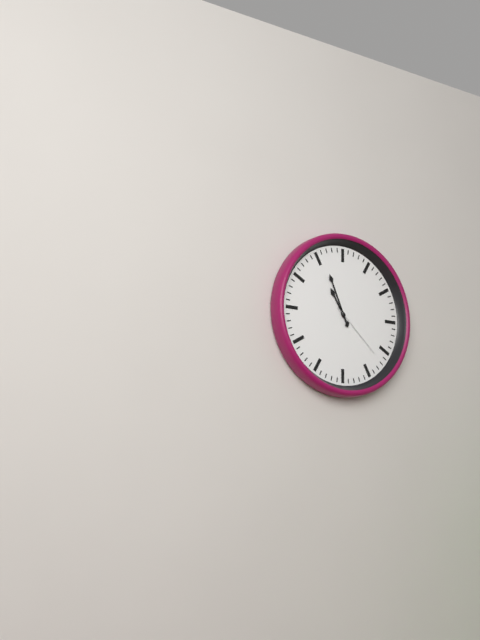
h=10 m=56 s=22
